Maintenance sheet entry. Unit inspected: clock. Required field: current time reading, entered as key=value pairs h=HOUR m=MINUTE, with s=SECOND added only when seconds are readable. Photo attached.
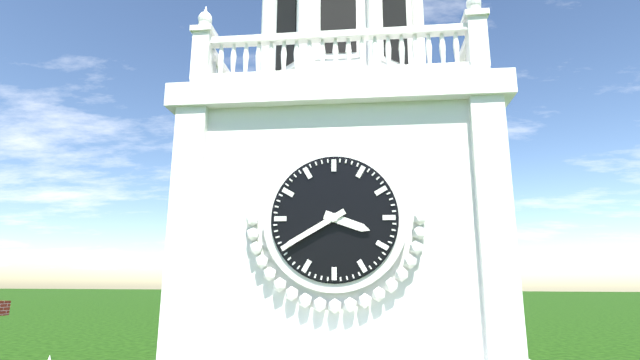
h=3 m=40
